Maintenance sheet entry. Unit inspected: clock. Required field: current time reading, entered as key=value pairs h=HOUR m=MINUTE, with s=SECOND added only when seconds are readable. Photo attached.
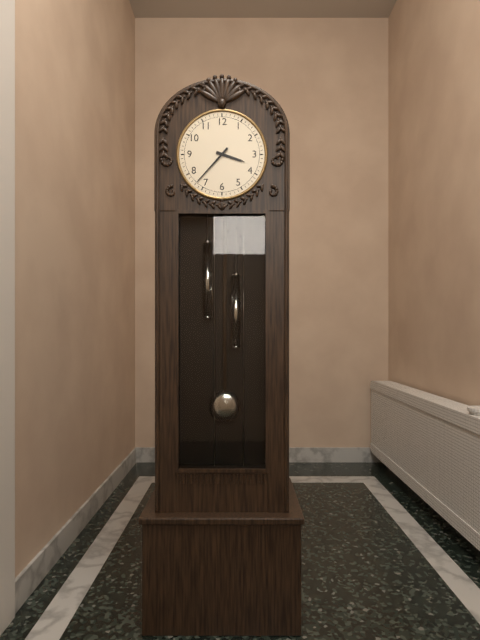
h=3 m=37
